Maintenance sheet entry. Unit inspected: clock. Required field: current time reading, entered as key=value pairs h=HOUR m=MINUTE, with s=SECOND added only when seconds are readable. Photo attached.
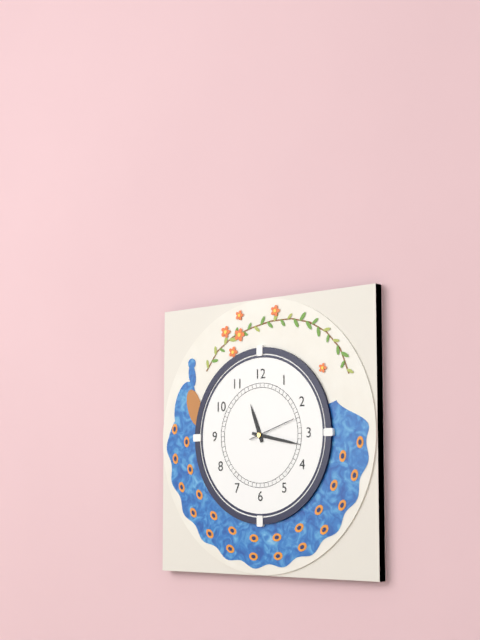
h=11 m=17
